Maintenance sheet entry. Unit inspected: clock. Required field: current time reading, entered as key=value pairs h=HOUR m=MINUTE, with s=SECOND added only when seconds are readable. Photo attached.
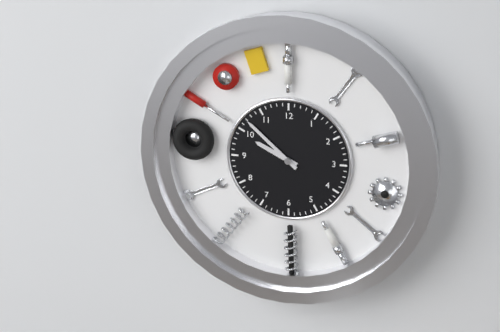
h=9 m=52
